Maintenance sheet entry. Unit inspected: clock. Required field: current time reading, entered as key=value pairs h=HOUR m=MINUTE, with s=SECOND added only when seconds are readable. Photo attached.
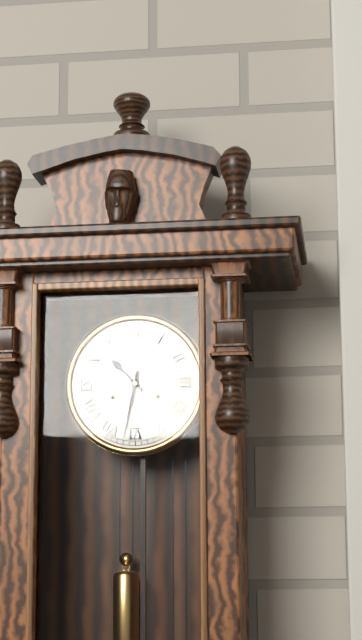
h=10 m=32
